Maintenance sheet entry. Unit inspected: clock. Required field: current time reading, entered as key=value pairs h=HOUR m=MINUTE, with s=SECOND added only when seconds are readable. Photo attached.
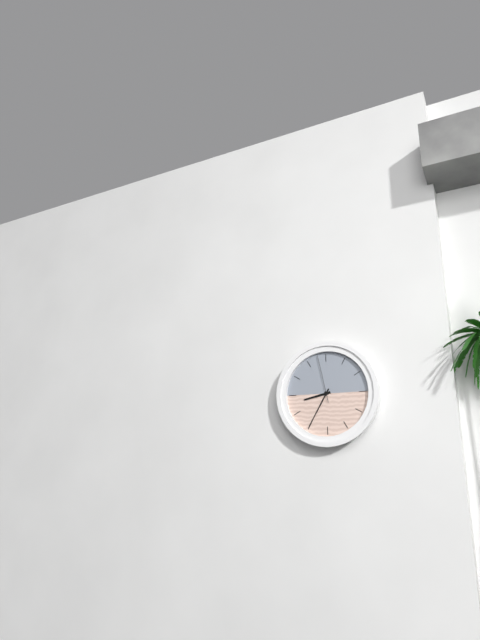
h=8 m=35
